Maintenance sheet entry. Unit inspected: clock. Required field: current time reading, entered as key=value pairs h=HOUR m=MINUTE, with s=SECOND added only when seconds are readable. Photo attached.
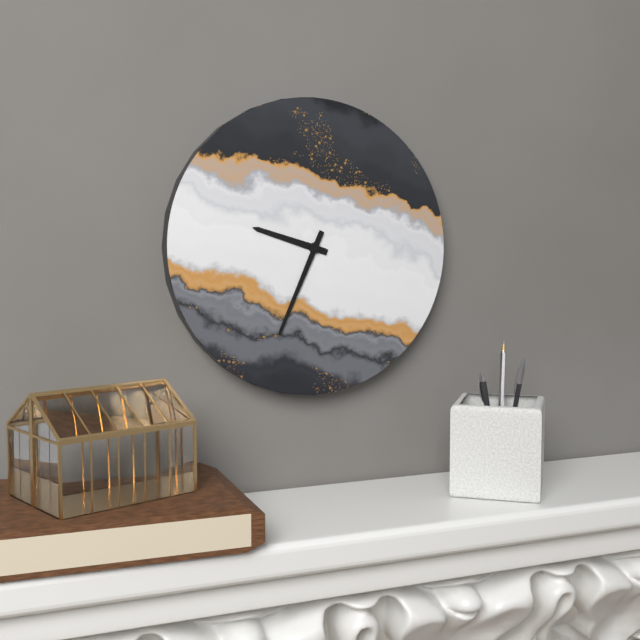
h=9 m=34
